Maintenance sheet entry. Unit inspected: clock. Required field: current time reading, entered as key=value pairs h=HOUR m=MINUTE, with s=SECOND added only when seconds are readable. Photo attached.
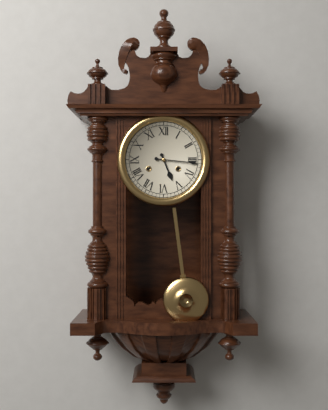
h=5 m=16
